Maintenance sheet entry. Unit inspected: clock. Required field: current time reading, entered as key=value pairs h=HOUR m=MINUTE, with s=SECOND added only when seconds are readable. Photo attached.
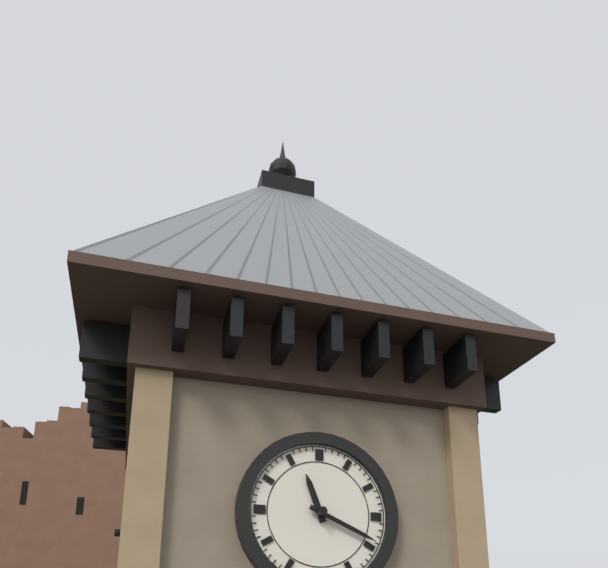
h=11 m=19
